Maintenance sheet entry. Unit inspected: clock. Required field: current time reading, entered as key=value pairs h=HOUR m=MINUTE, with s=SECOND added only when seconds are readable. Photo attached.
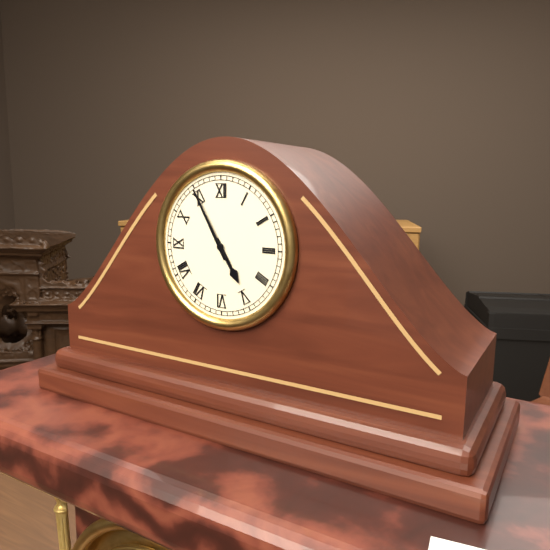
h=4 m=55
